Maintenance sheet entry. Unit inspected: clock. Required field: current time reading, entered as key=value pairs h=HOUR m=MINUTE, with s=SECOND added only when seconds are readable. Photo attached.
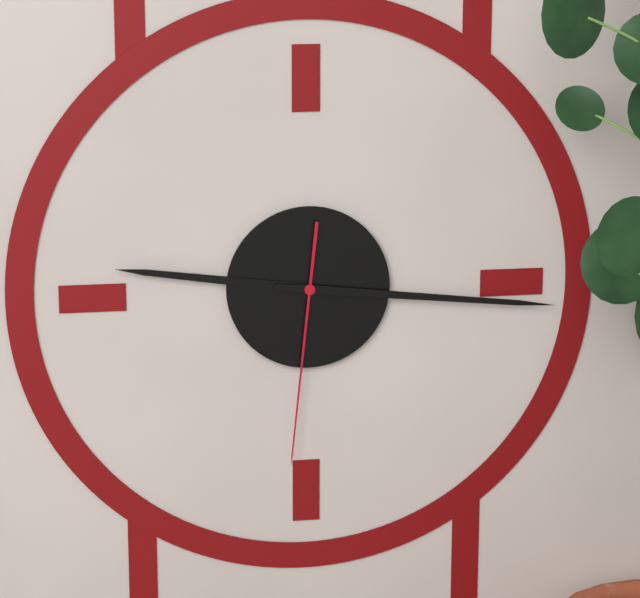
h=9 m=16 s=31
